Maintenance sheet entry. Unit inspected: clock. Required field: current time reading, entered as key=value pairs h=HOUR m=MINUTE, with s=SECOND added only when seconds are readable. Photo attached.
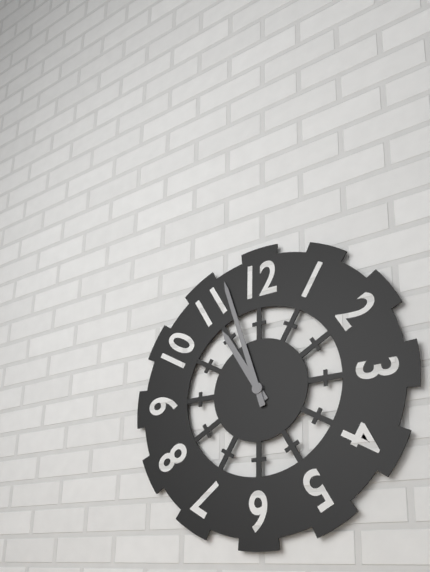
h=10 m=57
